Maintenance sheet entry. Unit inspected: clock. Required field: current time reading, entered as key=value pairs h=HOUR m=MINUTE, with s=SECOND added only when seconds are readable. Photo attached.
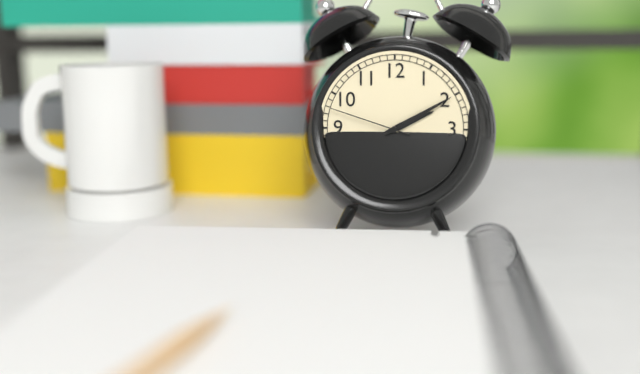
h=2 m=10 s=48
